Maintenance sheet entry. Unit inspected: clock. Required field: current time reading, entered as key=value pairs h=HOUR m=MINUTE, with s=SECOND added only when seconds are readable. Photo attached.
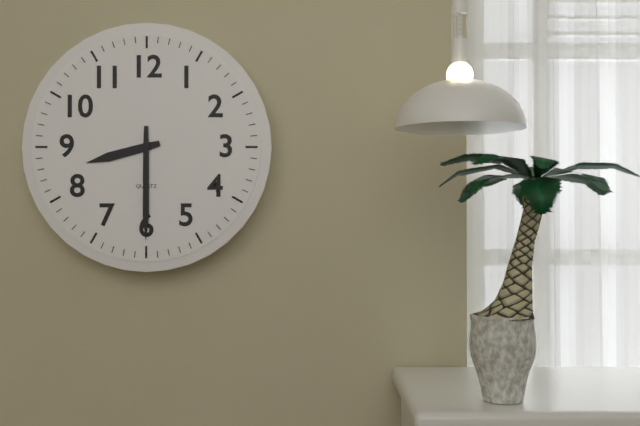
h=8 m=30
